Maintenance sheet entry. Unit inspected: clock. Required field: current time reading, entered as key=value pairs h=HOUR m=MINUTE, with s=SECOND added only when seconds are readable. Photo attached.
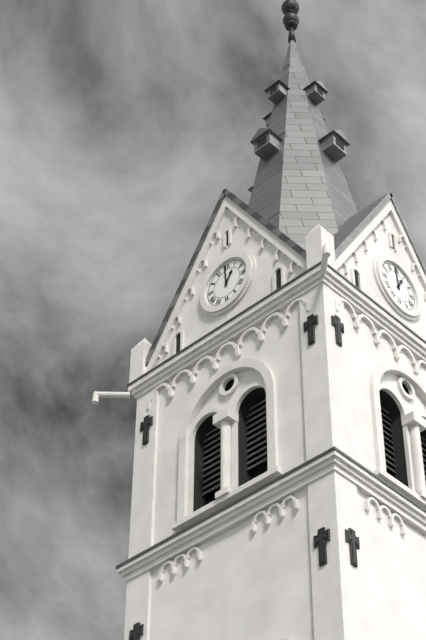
h=12 m=59
